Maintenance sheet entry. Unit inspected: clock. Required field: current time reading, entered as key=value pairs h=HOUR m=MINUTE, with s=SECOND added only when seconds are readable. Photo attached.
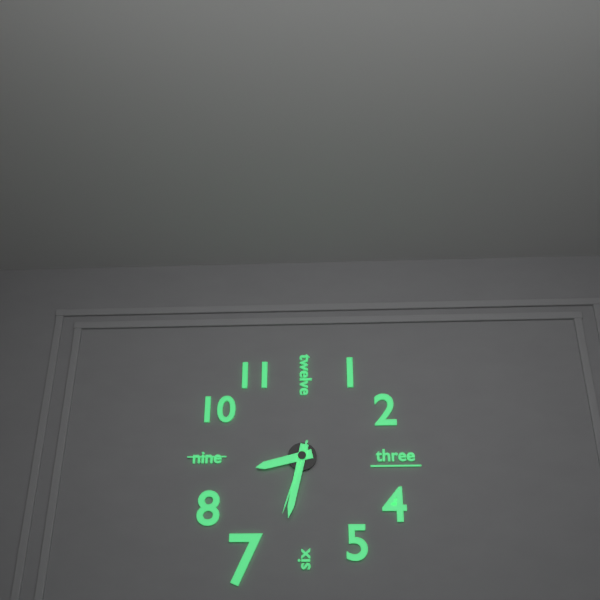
h=8 m=32 s=33
